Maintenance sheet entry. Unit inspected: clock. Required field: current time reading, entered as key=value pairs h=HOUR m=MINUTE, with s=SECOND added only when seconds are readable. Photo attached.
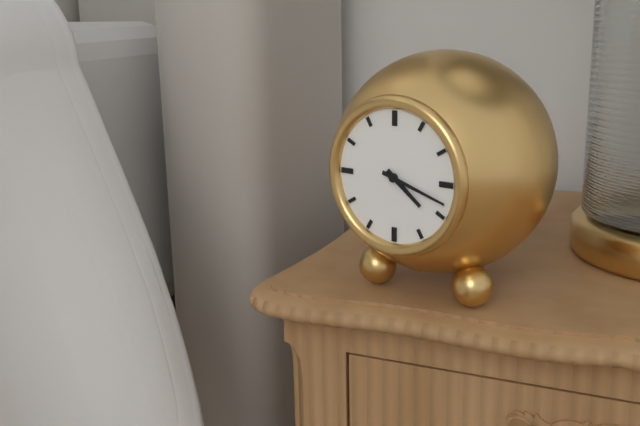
h=4 m=18
